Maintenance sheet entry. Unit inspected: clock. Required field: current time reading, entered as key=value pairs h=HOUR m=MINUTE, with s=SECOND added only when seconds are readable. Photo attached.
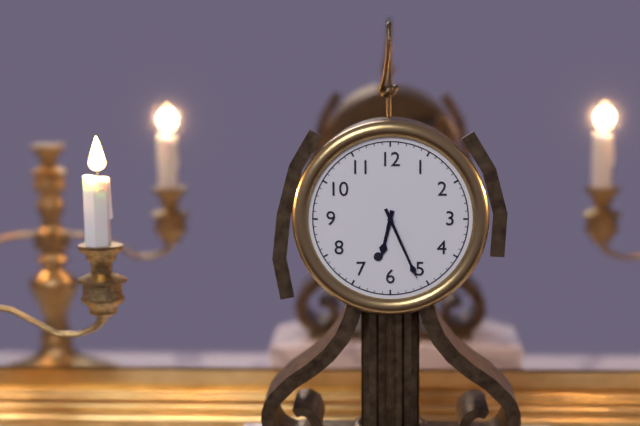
h=6 m=26
